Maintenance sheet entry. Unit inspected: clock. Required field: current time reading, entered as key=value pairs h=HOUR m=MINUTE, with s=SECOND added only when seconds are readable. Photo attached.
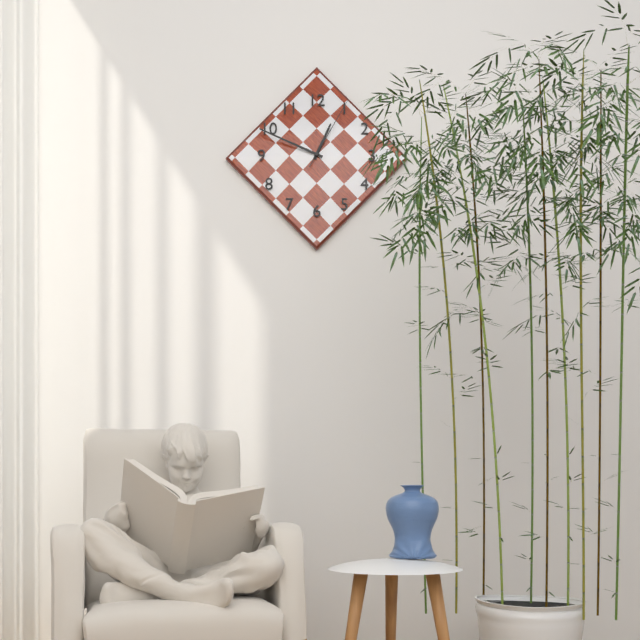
h=12 m=49 s=5
